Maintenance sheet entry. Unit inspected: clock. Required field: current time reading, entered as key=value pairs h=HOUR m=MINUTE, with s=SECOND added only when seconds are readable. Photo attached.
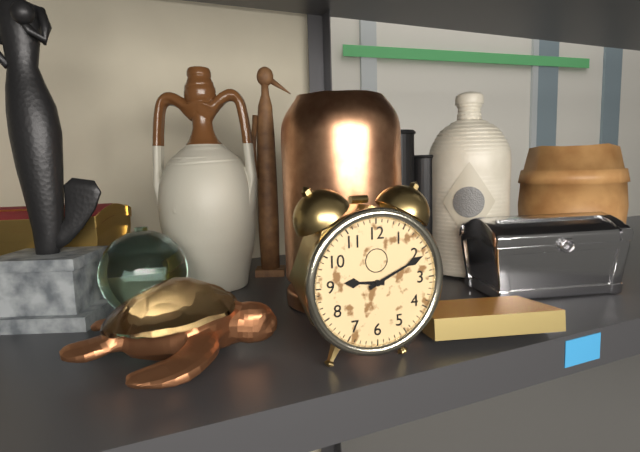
h=9 m=11
